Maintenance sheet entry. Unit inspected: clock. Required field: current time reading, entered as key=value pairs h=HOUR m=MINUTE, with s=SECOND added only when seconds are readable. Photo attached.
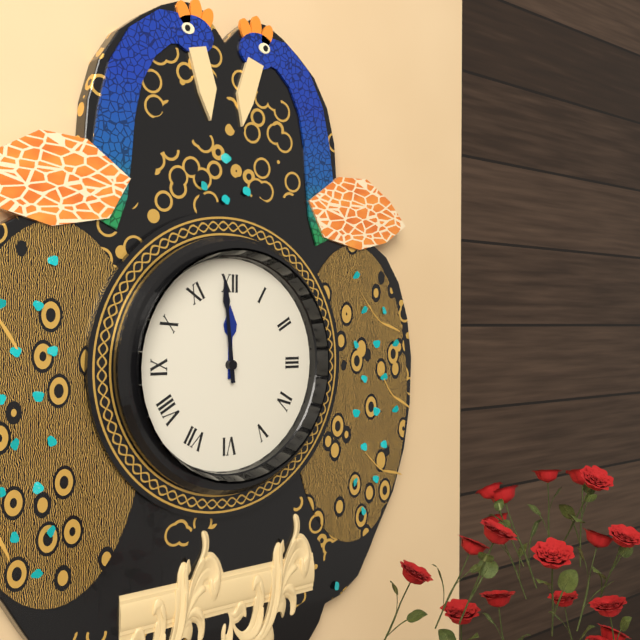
h=11 m=59
